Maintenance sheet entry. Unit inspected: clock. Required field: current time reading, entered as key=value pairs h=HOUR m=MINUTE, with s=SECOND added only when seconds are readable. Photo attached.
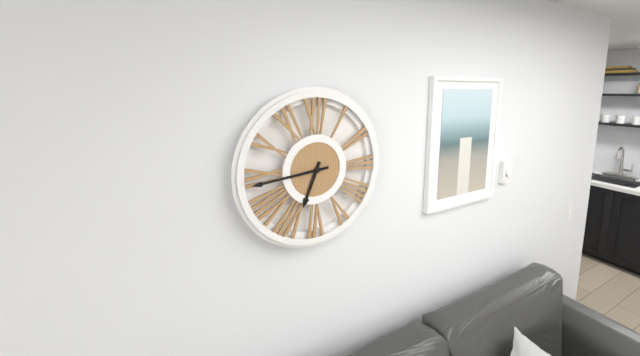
h=6 m=44
